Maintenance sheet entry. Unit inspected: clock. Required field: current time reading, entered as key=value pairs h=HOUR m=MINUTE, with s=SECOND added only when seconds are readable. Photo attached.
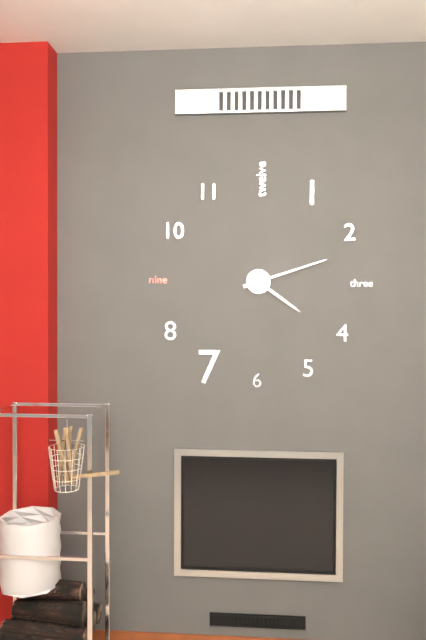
h=4 m=12
